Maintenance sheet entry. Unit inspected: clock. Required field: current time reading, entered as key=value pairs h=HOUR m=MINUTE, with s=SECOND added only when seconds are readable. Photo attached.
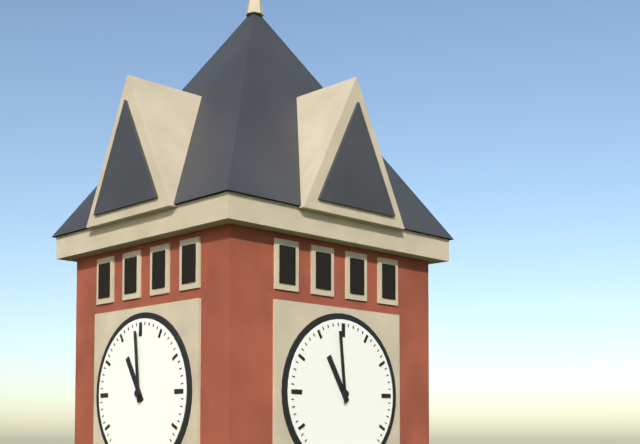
h=10 m=59
